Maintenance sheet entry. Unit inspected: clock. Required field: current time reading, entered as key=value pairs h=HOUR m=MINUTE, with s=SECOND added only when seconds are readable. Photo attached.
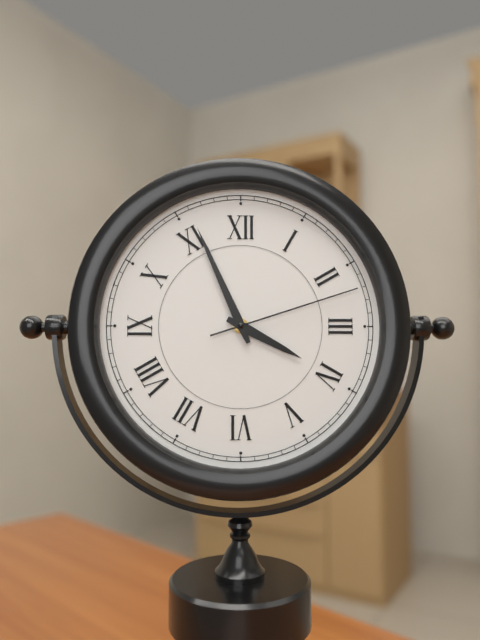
h=3 m=56 s=12
